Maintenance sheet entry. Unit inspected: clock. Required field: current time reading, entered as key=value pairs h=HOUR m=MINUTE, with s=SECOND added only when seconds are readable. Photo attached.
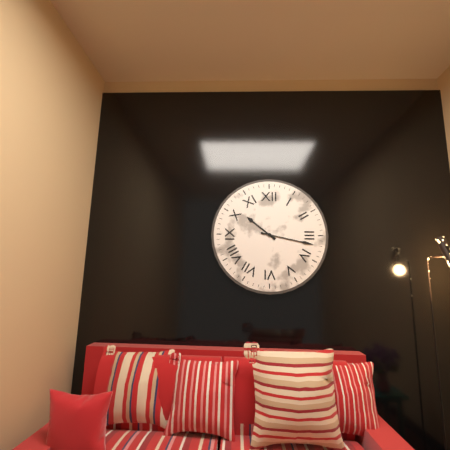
h=10 m=17
